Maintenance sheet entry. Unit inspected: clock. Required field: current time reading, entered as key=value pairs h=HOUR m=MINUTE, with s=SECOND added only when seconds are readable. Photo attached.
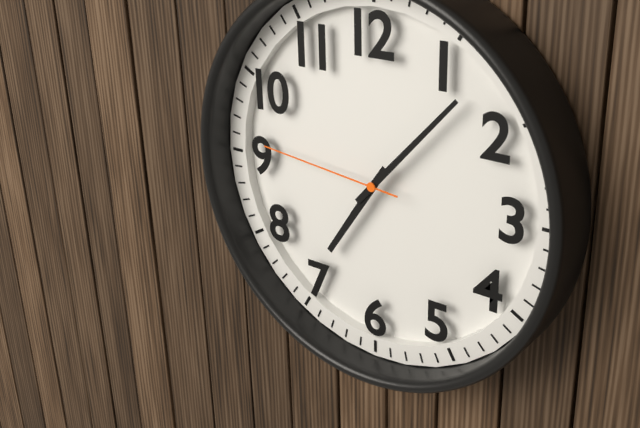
h=7 m=7 s=46
